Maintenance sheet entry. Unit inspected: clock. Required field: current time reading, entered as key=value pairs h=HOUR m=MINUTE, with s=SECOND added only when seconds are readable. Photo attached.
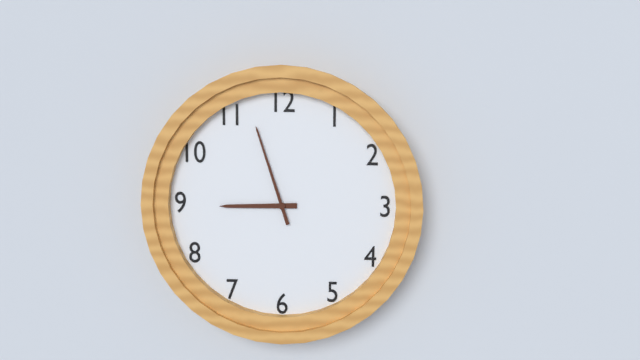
h=8 m=57
